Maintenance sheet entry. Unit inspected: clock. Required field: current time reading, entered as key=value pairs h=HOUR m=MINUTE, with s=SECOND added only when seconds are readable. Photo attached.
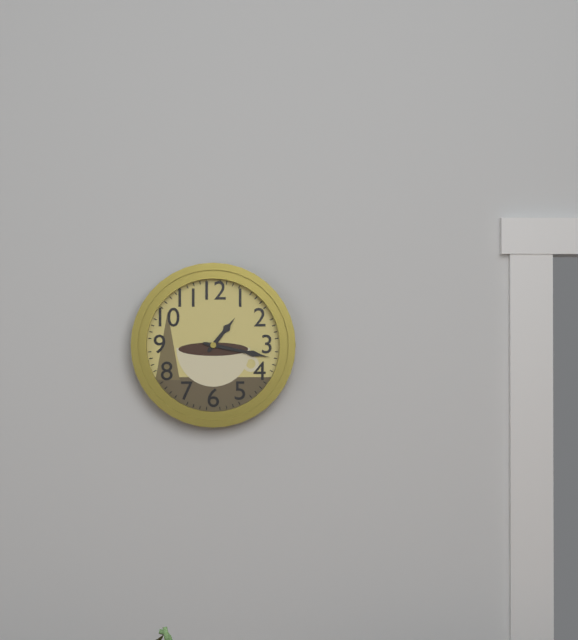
h=1 m=17
